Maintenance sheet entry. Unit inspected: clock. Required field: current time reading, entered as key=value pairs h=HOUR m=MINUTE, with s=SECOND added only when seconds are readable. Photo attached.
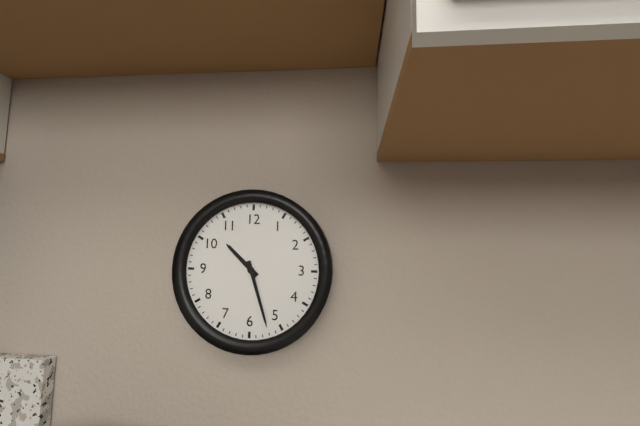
h=10 m=27
